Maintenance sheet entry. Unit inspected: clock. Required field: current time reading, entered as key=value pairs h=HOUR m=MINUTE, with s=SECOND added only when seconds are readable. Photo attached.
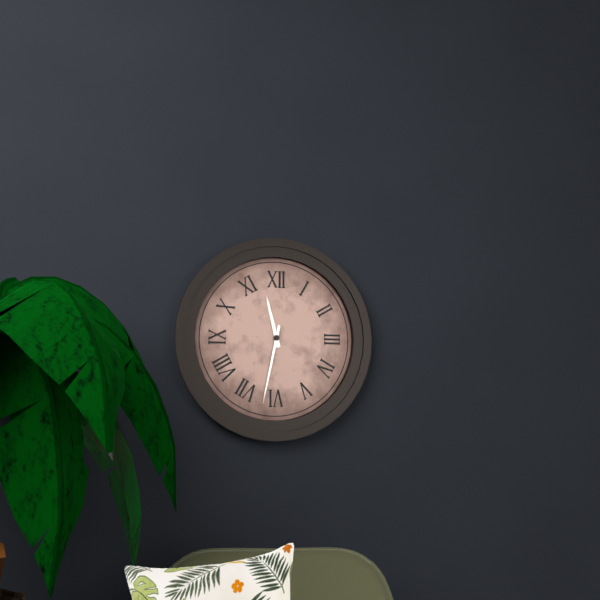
h=11 m=32
